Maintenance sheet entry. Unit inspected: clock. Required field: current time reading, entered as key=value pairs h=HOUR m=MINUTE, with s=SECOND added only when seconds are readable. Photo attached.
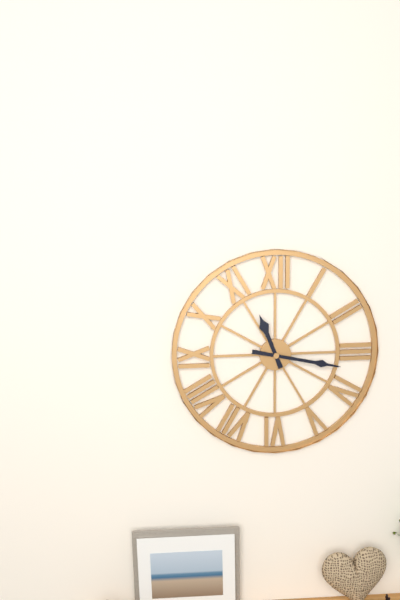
h=11 m=17
